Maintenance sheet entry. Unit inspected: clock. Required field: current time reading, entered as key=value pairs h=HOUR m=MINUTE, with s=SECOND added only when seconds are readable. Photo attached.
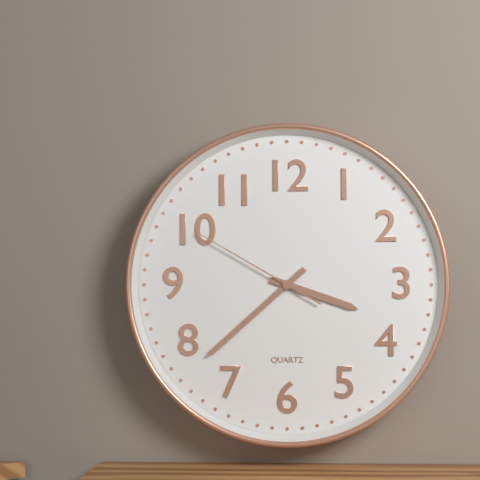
h=3 m=38 s=50
